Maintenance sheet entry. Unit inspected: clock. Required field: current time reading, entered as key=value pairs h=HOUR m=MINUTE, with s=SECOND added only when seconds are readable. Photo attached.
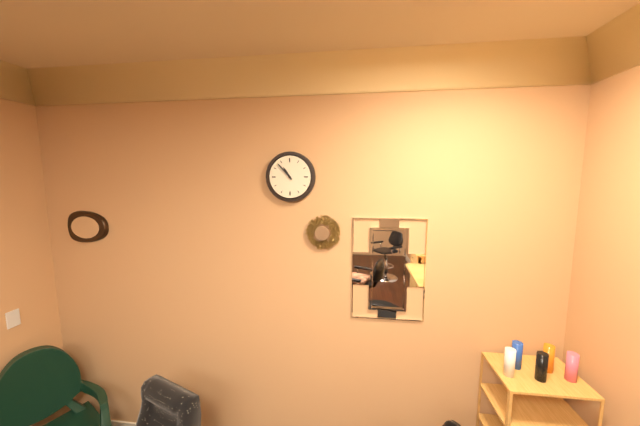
h=10 m=53
